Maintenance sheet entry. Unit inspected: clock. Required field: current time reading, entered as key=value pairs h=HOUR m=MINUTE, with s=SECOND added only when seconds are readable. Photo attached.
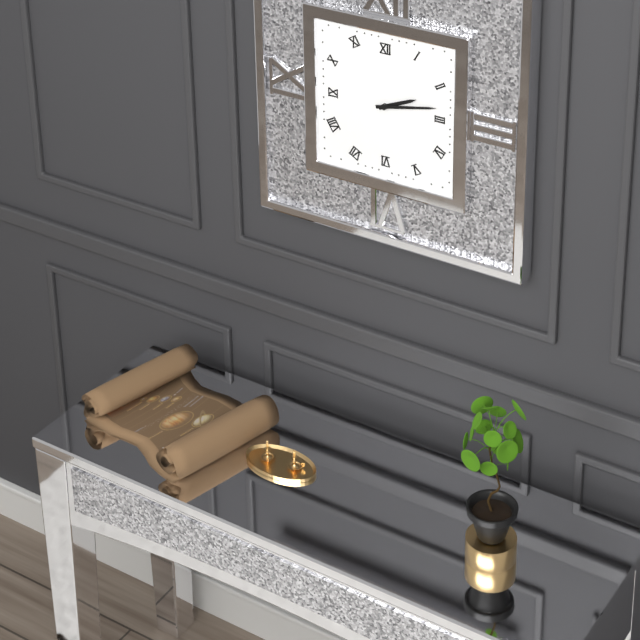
h=2 m=13
